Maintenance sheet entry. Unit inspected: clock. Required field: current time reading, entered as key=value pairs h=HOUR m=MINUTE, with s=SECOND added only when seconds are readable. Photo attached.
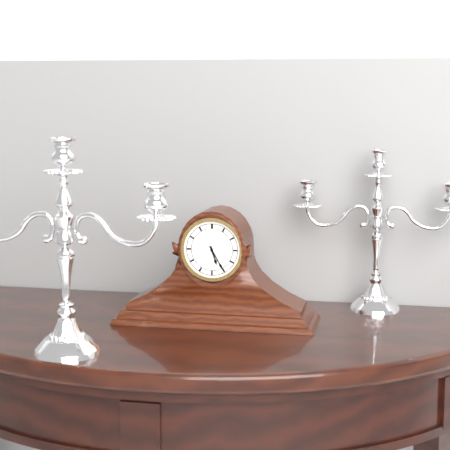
h=5 m=25
